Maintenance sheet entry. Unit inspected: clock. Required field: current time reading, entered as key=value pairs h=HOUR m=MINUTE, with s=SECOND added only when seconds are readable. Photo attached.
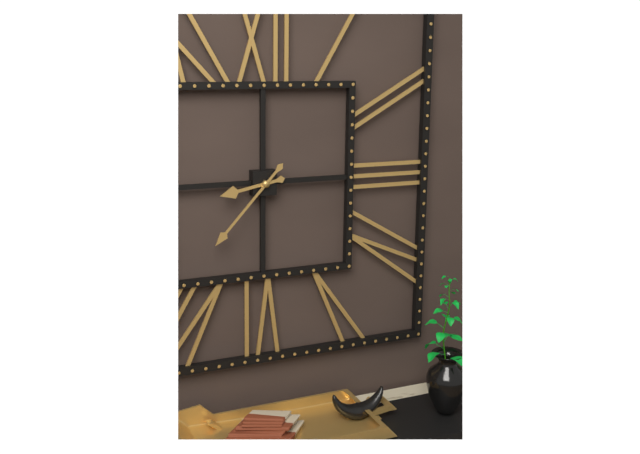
h=8 m=37
